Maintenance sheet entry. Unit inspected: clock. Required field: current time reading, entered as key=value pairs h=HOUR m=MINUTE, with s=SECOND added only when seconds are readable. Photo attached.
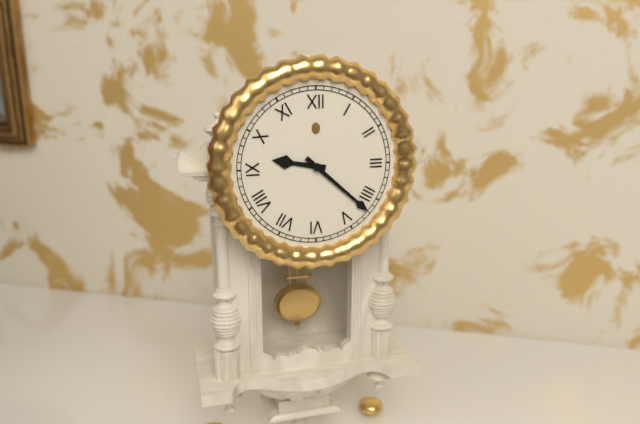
h=9 m=22
